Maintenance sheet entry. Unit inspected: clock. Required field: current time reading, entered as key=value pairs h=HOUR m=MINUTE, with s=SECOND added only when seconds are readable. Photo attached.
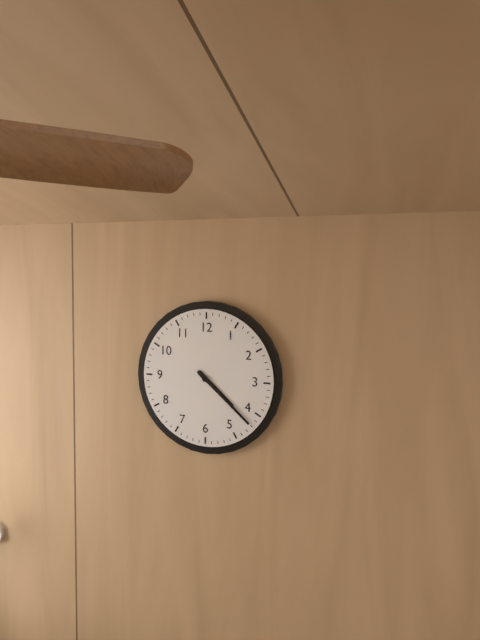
h=4 m=22
